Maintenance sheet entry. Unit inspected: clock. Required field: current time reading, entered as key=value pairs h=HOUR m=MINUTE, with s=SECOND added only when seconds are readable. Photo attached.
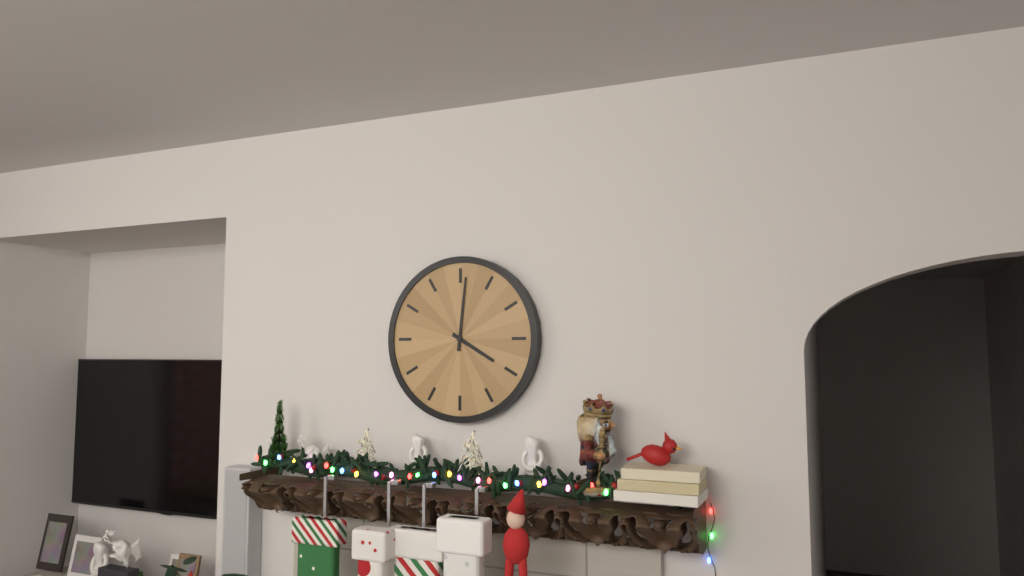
h=4 m=1
